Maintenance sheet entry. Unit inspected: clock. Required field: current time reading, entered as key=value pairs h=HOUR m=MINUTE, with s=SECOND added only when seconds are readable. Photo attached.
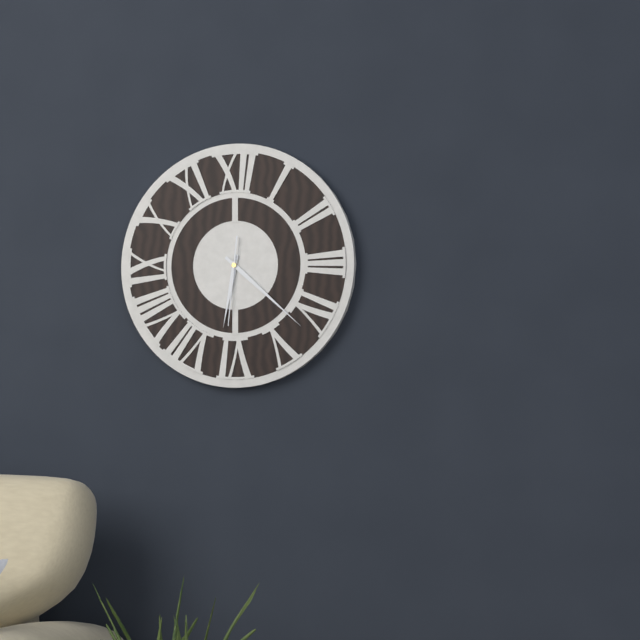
h=6 m=22 s=31
